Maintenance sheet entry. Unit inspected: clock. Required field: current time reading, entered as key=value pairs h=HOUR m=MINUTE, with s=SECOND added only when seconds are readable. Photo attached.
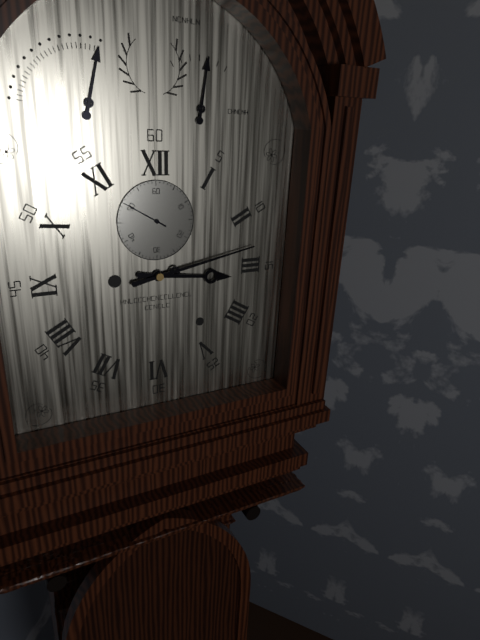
h=3 m=13
